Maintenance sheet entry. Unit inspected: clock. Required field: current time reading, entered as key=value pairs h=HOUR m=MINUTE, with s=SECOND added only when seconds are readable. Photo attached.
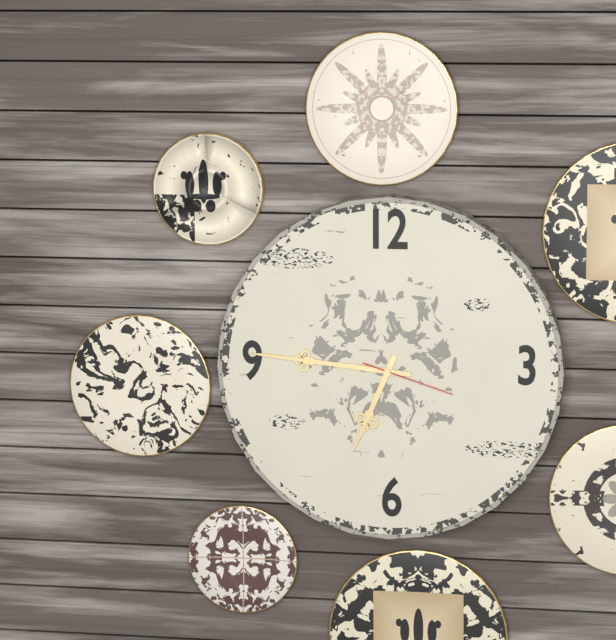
h=6 m=46 s=18
